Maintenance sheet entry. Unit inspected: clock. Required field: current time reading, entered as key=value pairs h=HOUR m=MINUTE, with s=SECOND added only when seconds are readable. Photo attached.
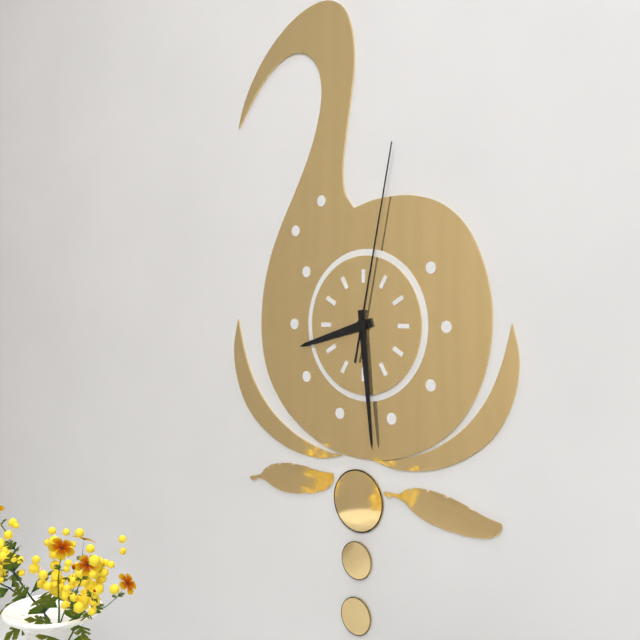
h=8 m=29 s=2
